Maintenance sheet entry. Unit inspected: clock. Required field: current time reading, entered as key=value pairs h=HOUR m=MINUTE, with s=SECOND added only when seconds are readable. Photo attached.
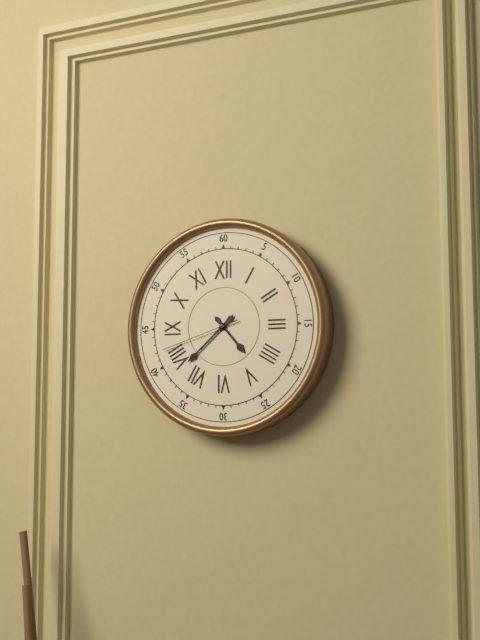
h=4 m=38 s=42
